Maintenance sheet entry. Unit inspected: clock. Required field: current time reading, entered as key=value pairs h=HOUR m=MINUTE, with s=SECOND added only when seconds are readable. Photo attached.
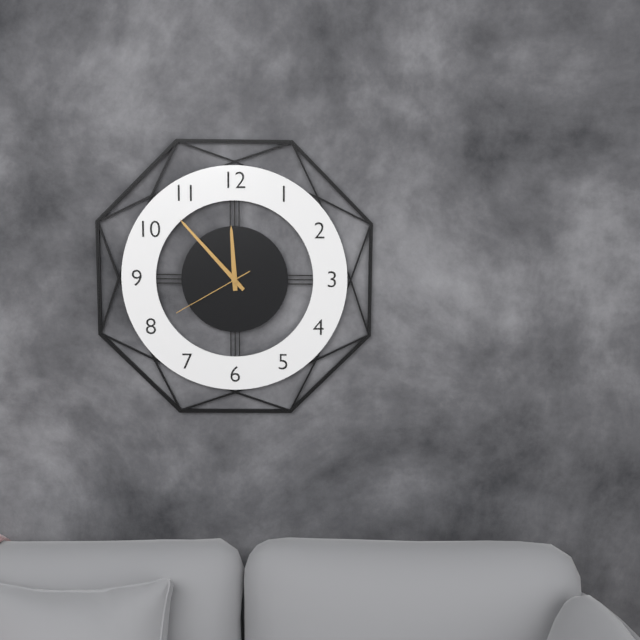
h=11 m=53 s=40
